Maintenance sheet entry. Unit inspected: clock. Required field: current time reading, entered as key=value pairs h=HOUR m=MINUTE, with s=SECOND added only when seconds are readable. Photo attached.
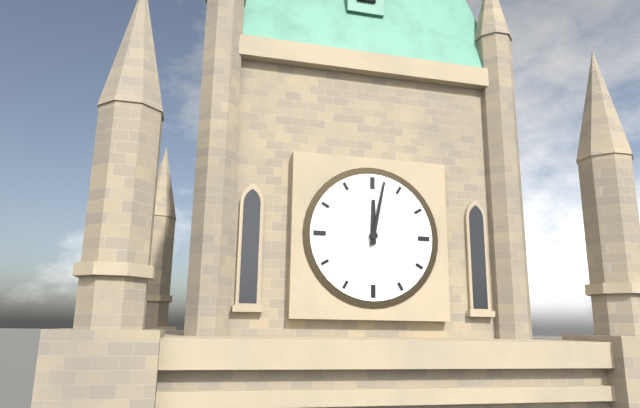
h=12 m=2
